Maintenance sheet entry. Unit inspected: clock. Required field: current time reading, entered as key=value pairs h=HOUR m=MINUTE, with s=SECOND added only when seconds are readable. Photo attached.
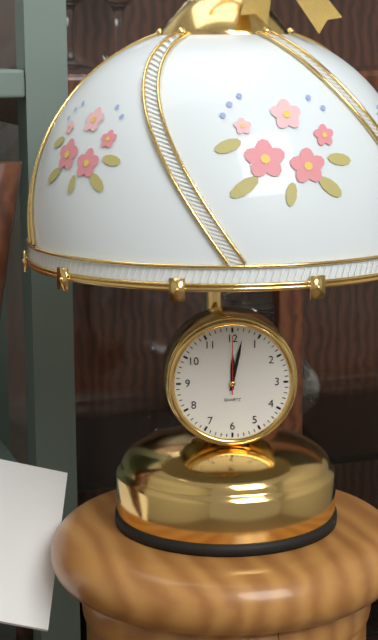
h=12 m=2 s=0
